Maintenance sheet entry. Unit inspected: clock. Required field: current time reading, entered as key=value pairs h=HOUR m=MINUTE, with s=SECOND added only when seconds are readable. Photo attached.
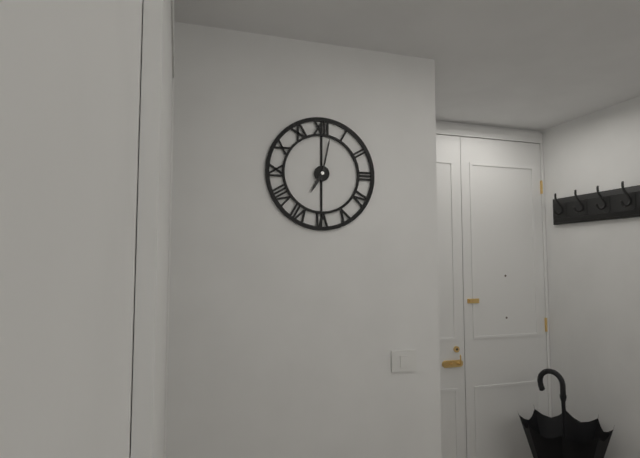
h=7 m=2
